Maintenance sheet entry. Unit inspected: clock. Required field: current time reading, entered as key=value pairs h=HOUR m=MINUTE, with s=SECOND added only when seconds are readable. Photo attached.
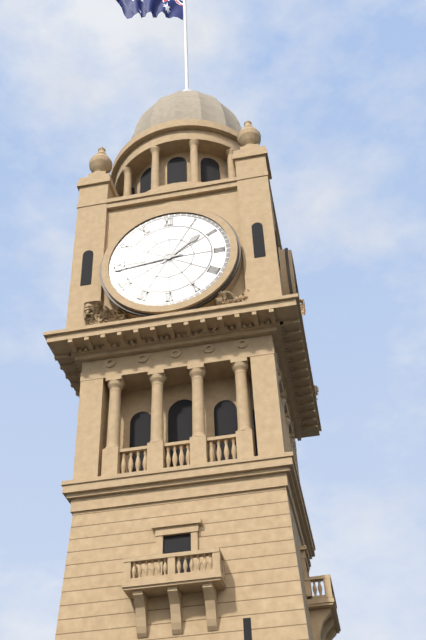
h=1 m=44
